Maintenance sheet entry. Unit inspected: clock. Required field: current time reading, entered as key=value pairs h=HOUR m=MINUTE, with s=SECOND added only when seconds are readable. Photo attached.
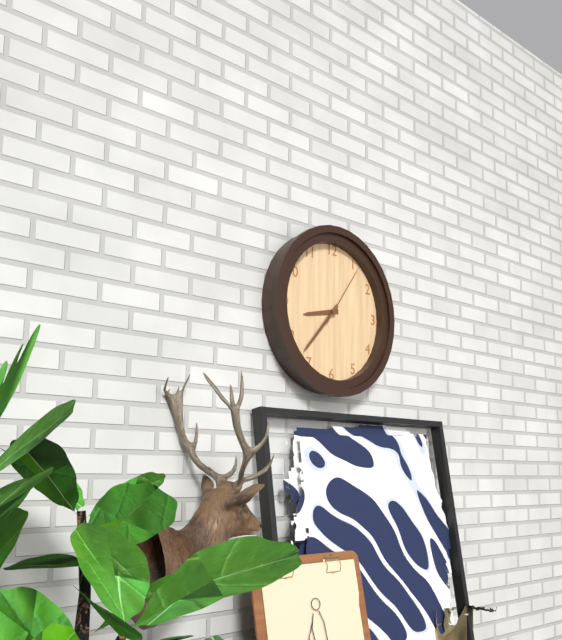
h=8 m=37 s=6
